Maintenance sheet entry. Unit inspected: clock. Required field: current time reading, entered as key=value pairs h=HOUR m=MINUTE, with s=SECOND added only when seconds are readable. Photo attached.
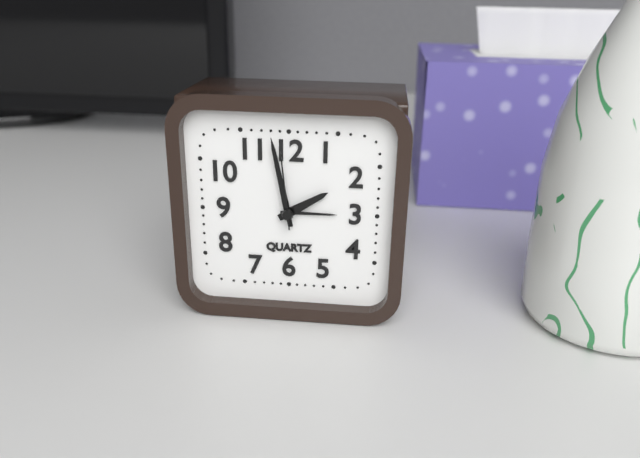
h=1 m=58 s=59
